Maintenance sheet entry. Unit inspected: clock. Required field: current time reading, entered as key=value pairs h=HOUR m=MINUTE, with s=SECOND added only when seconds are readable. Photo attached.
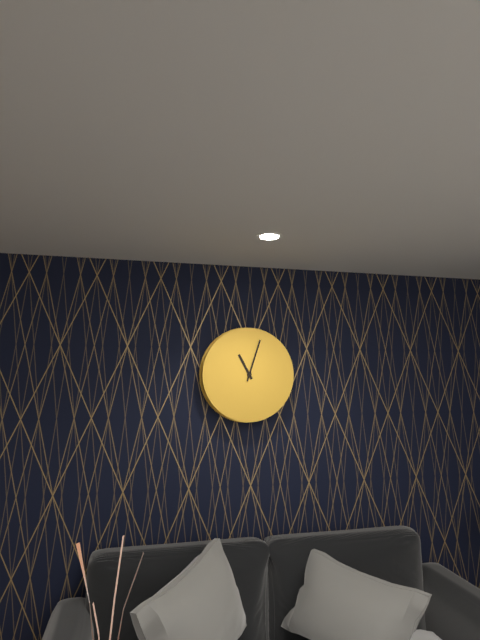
h=11 m=3
